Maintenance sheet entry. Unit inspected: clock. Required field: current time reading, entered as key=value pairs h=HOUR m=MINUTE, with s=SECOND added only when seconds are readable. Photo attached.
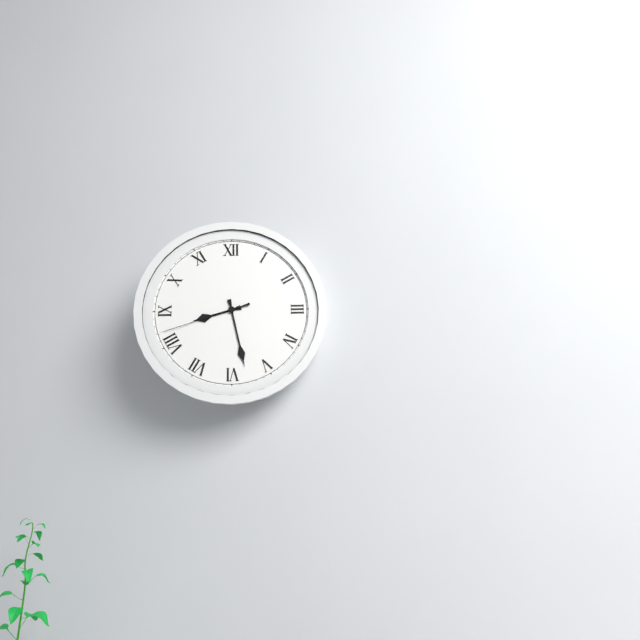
h=8 m=28 s=42
